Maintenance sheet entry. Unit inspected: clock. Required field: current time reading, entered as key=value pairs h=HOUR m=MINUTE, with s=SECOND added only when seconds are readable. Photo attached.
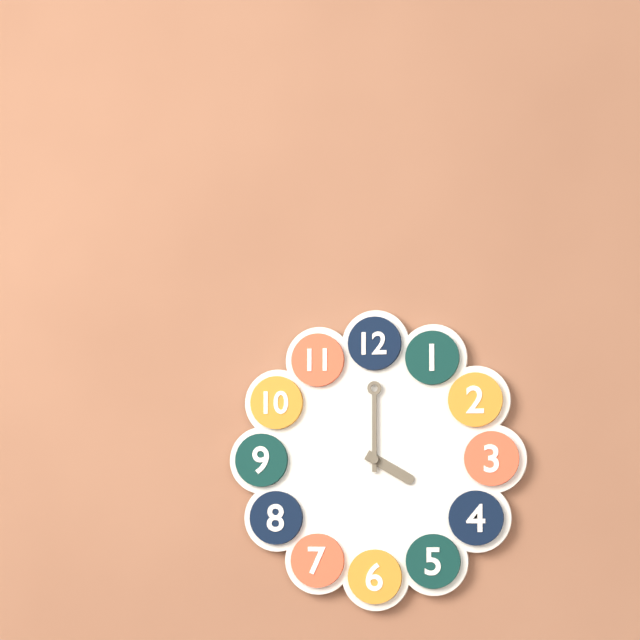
h=4 m=0
